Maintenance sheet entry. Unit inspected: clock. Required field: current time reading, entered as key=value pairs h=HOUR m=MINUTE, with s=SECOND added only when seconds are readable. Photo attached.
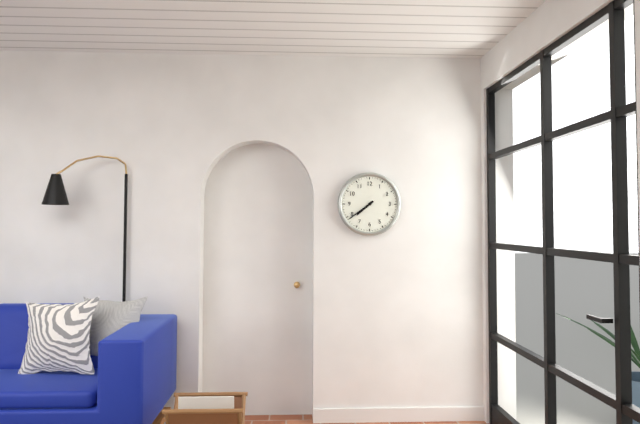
h=7 m=39
